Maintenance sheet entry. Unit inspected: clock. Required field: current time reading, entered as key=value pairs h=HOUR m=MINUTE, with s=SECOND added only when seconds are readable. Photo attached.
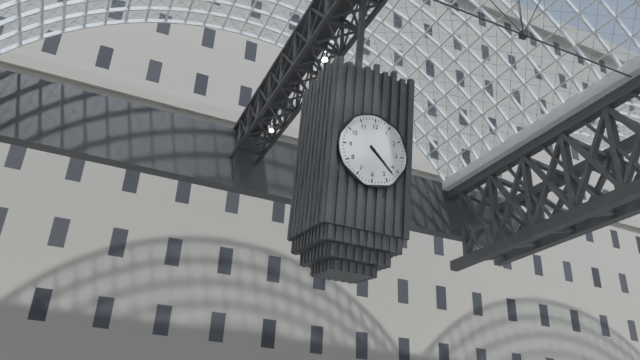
h=4 m=22
